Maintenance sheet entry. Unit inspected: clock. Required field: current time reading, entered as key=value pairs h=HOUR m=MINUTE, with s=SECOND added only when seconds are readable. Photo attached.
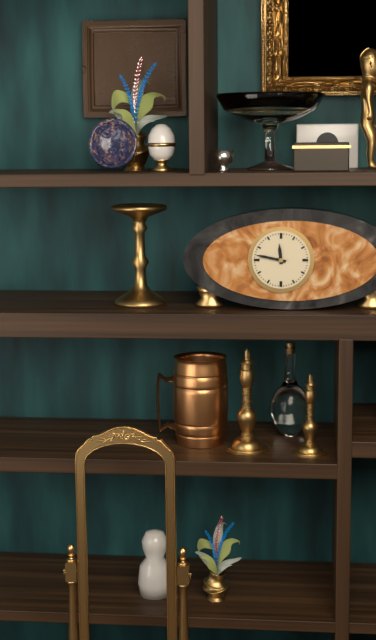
h=11 m=47
